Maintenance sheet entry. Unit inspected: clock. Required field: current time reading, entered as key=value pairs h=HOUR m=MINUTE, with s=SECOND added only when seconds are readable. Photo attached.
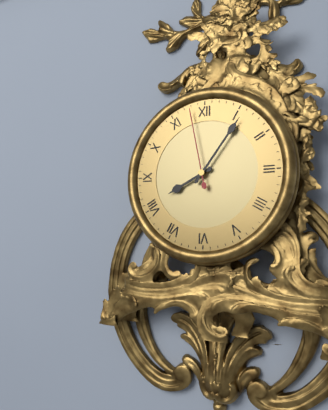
h=8 m=6 s=58
